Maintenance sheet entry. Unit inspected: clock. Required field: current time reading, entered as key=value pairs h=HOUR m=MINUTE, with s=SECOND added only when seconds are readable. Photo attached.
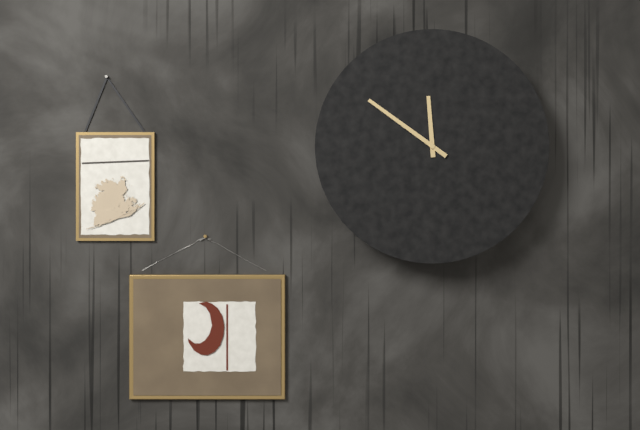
h=11 m=51
